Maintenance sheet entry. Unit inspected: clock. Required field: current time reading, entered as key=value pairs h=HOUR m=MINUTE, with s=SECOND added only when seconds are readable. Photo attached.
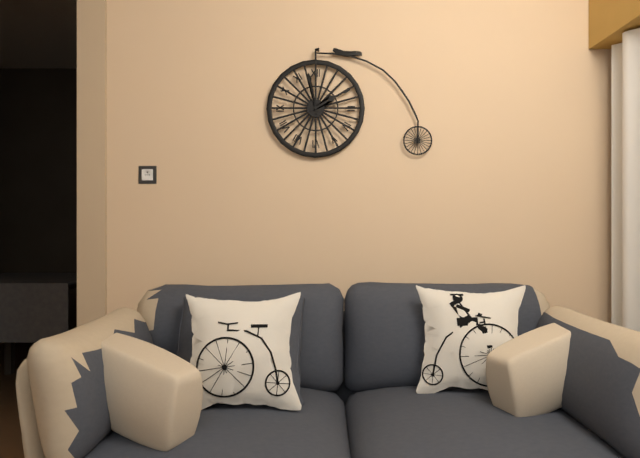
h=1 m=58
